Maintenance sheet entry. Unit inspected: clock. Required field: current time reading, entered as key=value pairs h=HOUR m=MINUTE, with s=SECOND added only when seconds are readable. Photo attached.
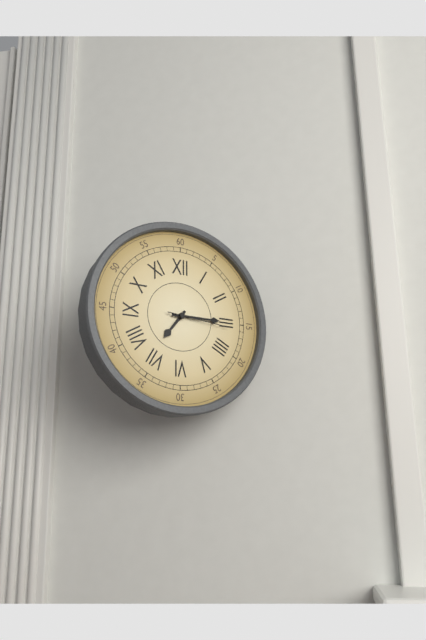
h=7 m=15 s=16
